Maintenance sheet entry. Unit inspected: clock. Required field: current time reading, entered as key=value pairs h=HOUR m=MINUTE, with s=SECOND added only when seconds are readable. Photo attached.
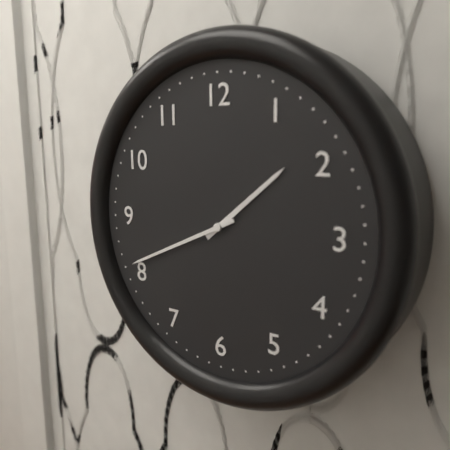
h=1 m=41
